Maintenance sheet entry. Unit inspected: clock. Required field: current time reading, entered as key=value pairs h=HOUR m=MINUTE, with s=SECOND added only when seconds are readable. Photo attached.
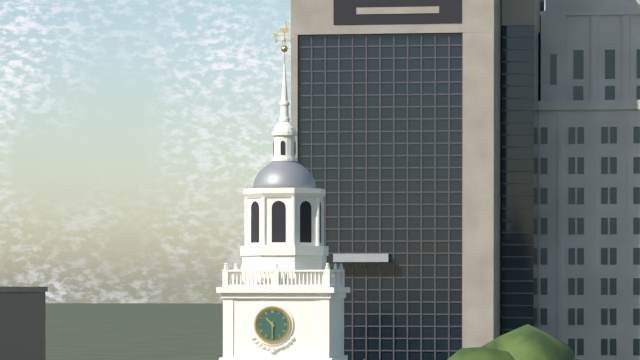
h=10 m=30
